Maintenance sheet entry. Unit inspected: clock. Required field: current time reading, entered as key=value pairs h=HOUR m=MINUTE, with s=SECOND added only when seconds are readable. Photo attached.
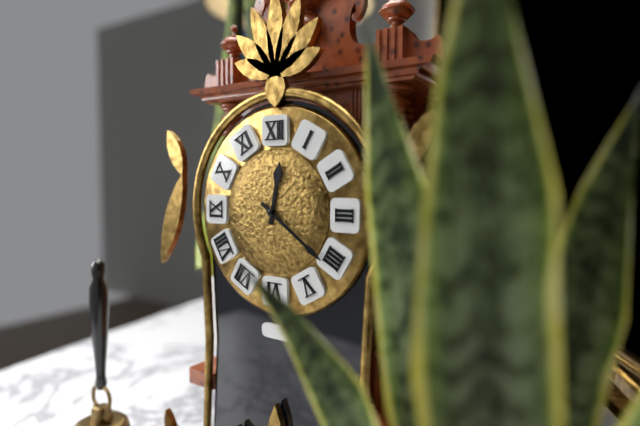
h=12 m=21
